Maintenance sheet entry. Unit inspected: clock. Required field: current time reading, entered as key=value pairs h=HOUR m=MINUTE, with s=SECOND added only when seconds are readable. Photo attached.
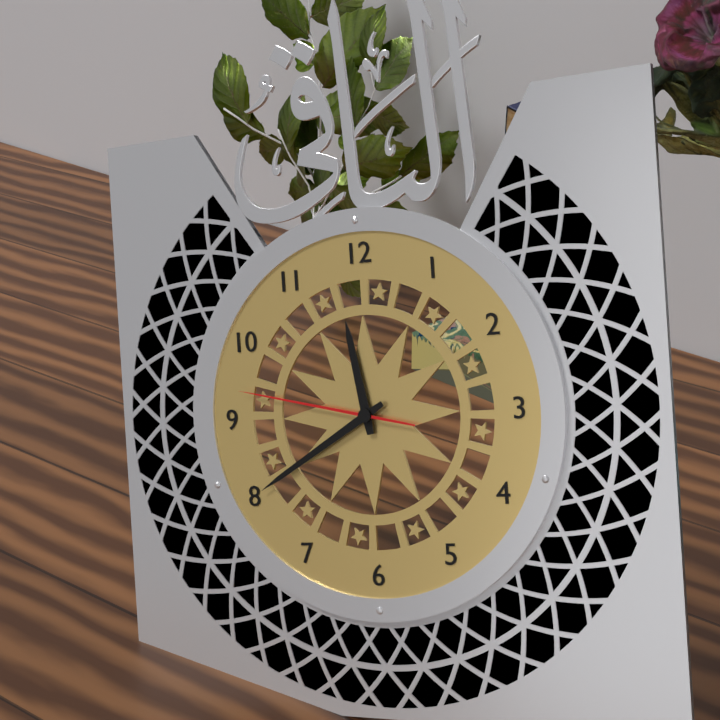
h=11 m=40 s=47
